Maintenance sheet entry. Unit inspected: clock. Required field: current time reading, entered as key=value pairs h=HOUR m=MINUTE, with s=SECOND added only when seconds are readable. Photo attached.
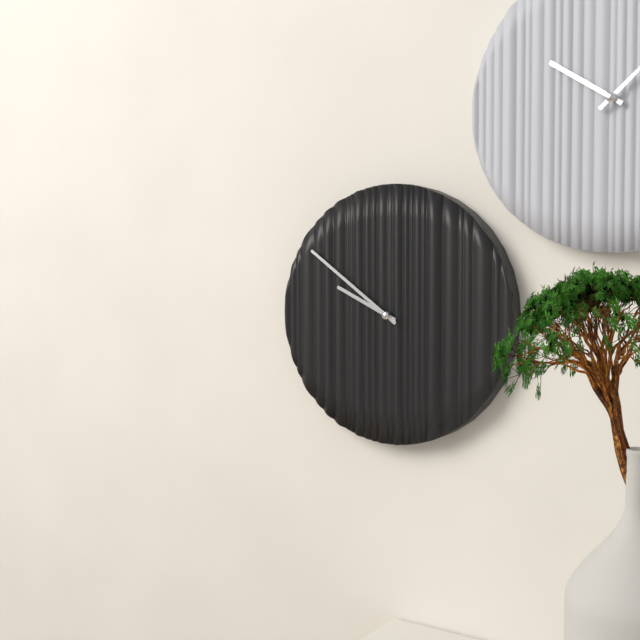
h=9 m=51
